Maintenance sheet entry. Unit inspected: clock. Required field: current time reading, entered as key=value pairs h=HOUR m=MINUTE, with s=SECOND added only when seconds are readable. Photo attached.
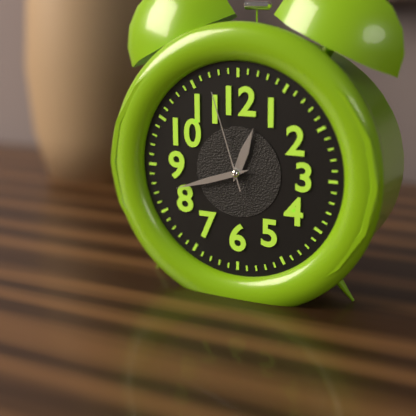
h=12 m=42 s=57
